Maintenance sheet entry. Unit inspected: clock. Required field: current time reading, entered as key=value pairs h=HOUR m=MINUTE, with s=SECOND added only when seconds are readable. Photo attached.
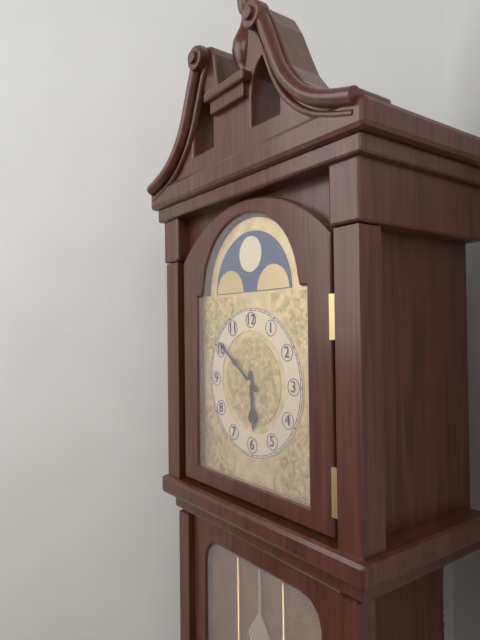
h=5 m=51
